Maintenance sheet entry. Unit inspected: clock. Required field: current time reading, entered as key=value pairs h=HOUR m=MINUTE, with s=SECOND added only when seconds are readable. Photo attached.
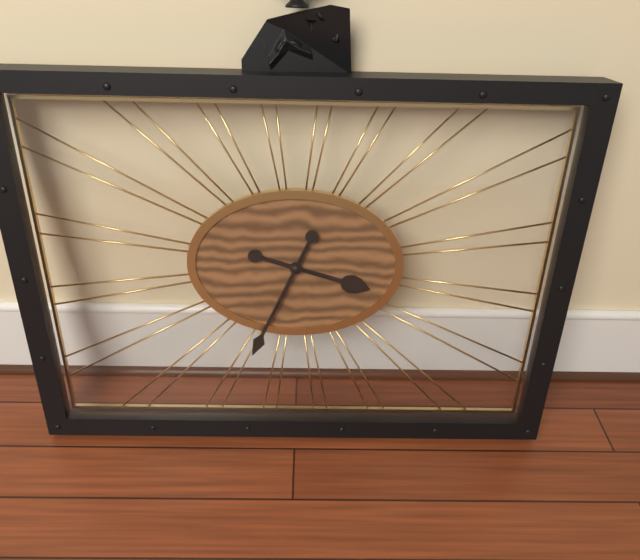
h=3 m=34
